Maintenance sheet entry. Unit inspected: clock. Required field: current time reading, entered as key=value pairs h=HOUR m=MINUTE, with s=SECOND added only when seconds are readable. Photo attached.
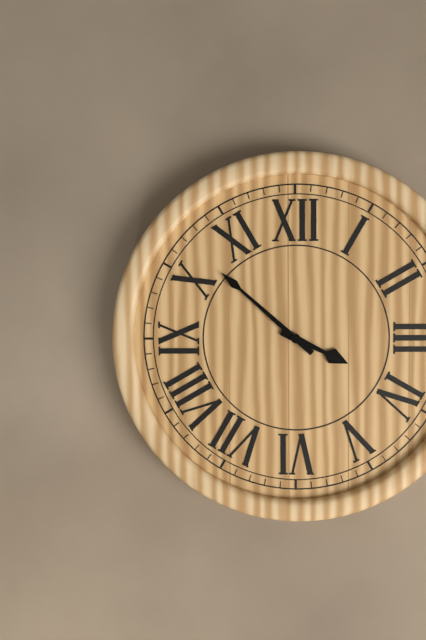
h=3 m=52
